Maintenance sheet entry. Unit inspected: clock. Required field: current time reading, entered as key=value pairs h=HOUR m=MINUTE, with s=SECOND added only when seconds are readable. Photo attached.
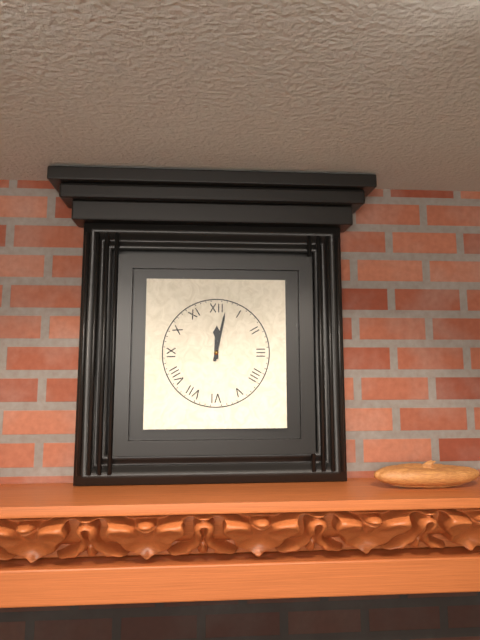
h=12 m=2
